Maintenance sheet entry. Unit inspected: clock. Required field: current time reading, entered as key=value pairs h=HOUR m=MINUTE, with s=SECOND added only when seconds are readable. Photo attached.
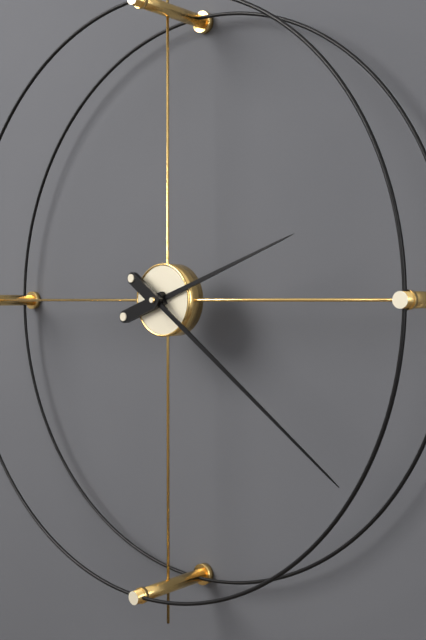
h=2 m=21
